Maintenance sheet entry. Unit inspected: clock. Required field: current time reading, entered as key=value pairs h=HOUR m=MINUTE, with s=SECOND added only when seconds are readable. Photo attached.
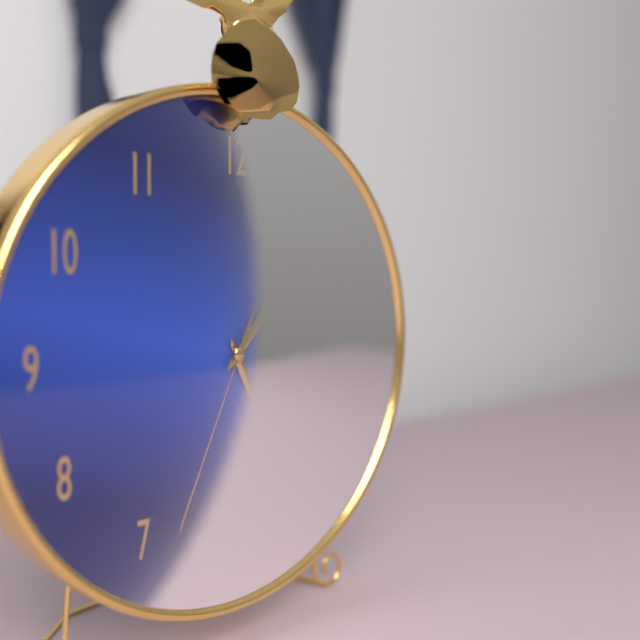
h=5 m=7 s=34
